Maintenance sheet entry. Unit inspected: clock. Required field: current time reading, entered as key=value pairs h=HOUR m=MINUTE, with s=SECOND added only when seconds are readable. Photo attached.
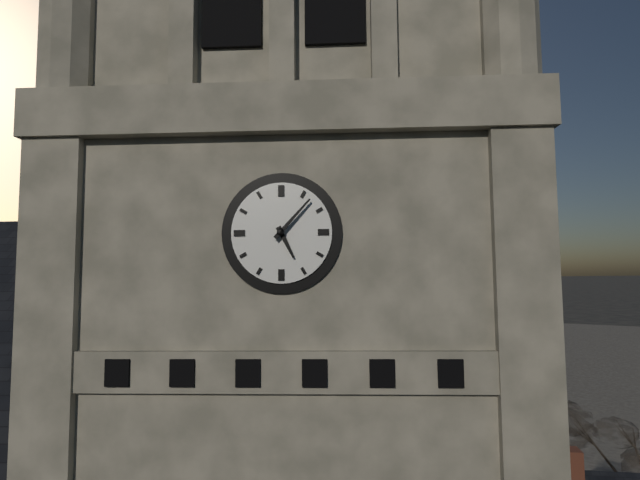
h=5 m=7
